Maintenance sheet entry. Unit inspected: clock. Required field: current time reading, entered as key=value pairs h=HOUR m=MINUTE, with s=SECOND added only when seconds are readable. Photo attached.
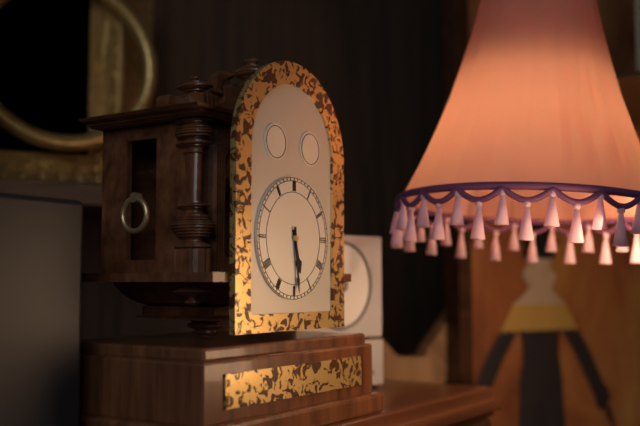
h=5 m=29
